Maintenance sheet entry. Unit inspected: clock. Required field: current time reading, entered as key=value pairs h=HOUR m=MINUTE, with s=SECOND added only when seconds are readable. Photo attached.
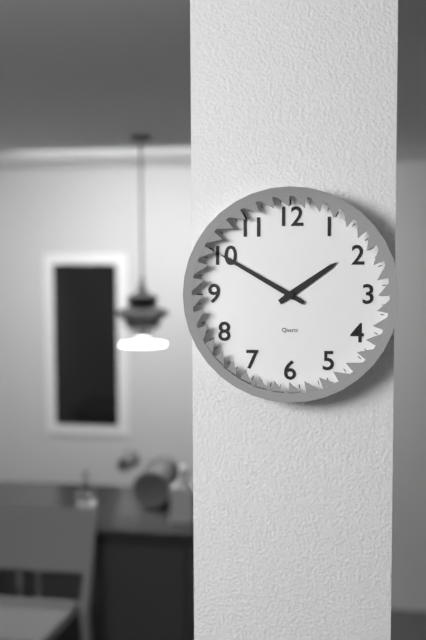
h=1 m=50
